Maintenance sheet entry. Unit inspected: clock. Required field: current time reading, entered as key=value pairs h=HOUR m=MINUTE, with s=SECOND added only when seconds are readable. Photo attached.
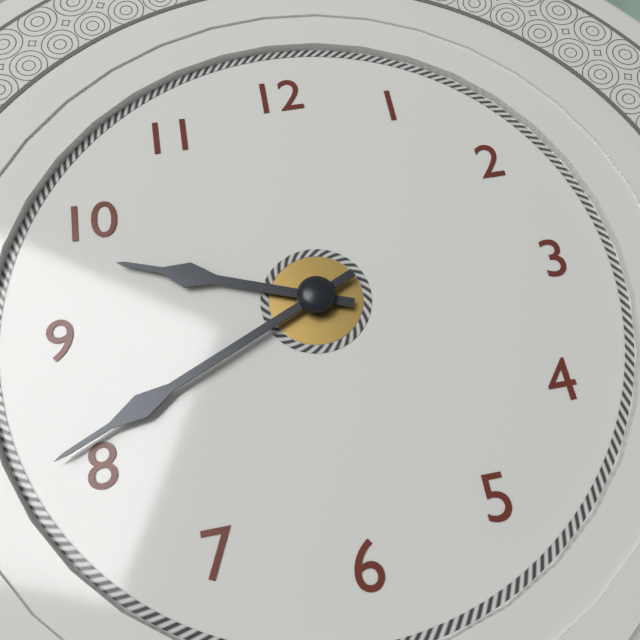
h=9 m=41
